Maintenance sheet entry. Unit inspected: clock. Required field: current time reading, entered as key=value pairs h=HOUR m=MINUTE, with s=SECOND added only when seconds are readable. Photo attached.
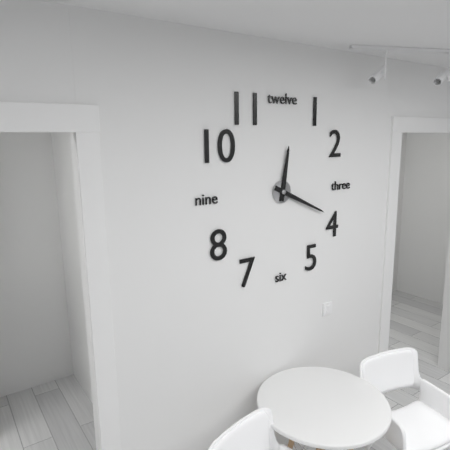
h=12 m=19
